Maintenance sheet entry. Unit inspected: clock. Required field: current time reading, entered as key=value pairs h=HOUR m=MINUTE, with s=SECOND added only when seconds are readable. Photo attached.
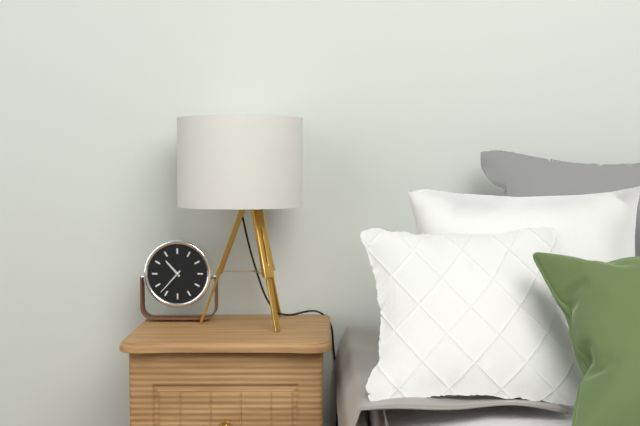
h=10 m=37
